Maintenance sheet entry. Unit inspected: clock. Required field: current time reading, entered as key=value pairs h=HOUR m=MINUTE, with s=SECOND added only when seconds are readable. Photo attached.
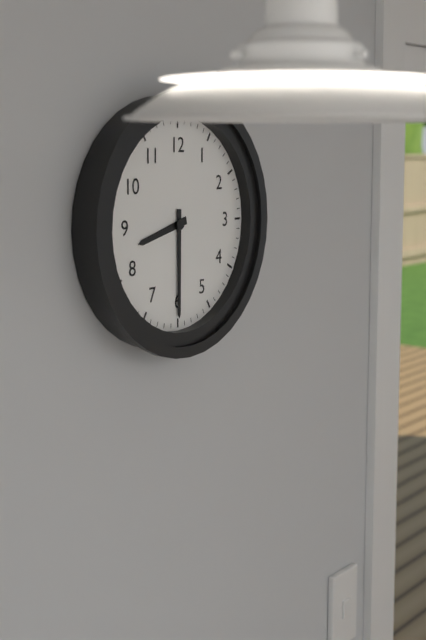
h=8 m=30
